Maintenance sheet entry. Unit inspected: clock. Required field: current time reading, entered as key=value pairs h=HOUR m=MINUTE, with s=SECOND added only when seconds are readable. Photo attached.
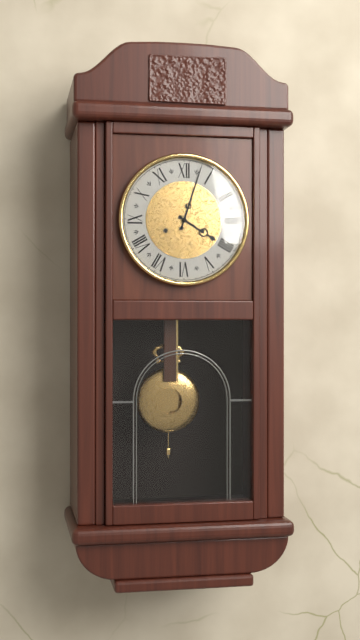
h=4 m=3
